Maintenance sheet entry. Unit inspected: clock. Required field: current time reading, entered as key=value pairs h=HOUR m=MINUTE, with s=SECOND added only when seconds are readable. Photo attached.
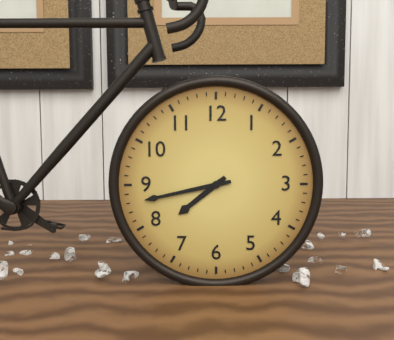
h=7 m=43
